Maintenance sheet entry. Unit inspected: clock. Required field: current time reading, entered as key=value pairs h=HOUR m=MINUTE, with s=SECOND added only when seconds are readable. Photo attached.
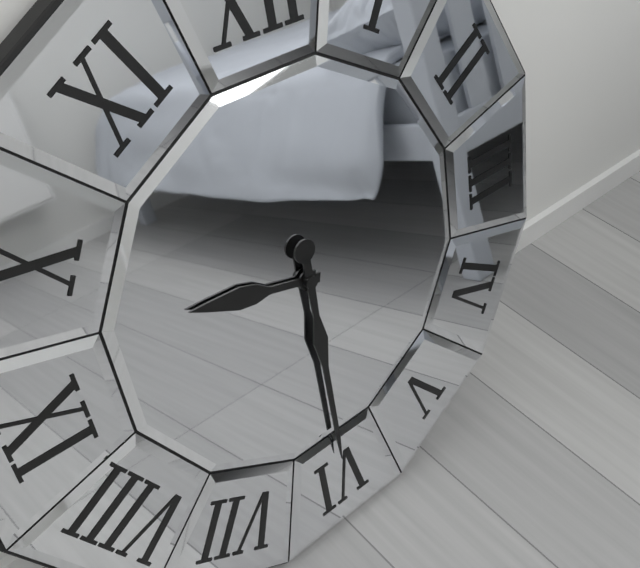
h=9 m=30
